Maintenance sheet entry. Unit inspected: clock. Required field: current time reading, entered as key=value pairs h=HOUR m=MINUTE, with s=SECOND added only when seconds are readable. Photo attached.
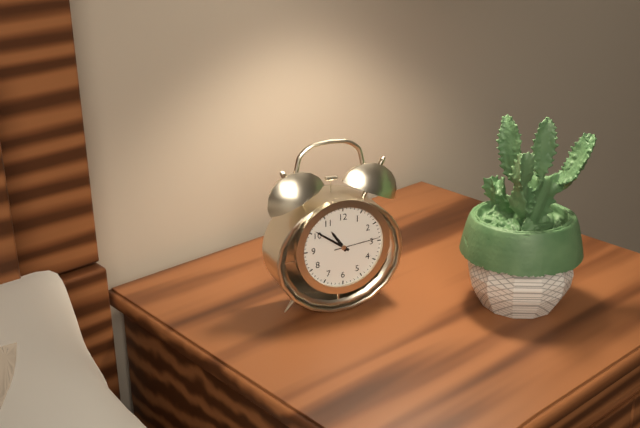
h=10 m=51
